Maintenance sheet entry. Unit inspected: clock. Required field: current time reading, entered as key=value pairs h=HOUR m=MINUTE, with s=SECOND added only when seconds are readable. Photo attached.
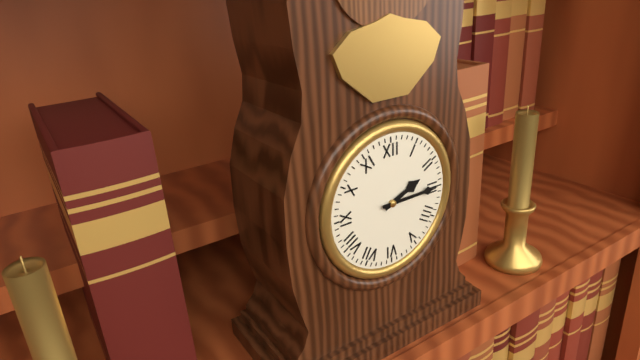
h=2 m=15
